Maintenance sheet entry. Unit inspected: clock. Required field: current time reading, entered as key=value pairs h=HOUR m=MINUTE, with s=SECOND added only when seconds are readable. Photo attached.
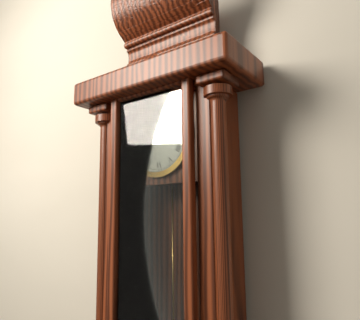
h=12 m=47
